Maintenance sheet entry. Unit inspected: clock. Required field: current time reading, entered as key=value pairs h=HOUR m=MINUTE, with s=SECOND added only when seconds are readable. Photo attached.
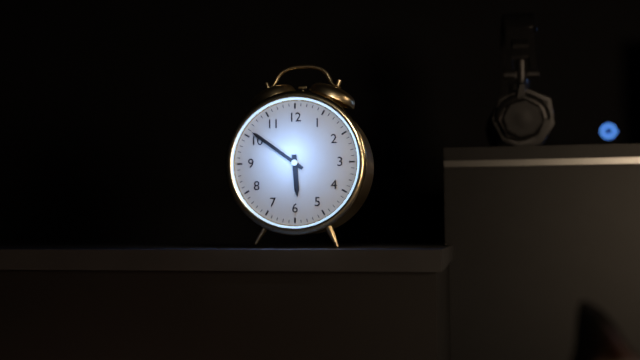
h=5 m=51
